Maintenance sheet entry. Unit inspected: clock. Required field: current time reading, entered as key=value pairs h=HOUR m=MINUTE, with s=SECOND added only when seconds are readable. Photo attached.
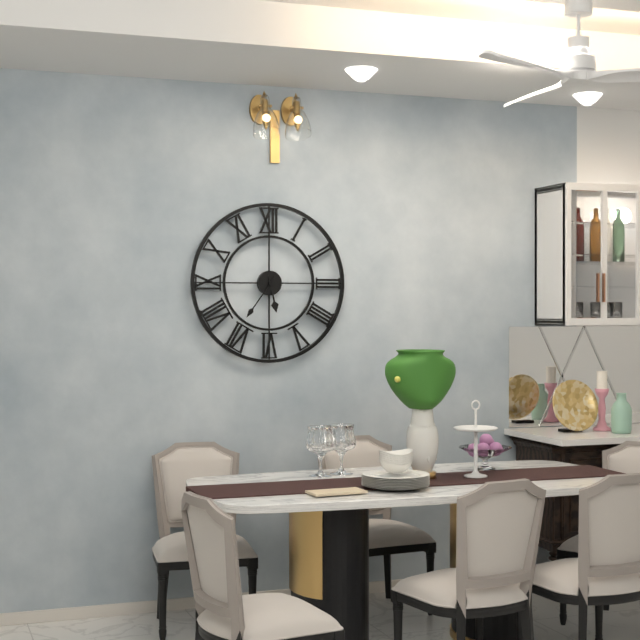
h=5 m=36
